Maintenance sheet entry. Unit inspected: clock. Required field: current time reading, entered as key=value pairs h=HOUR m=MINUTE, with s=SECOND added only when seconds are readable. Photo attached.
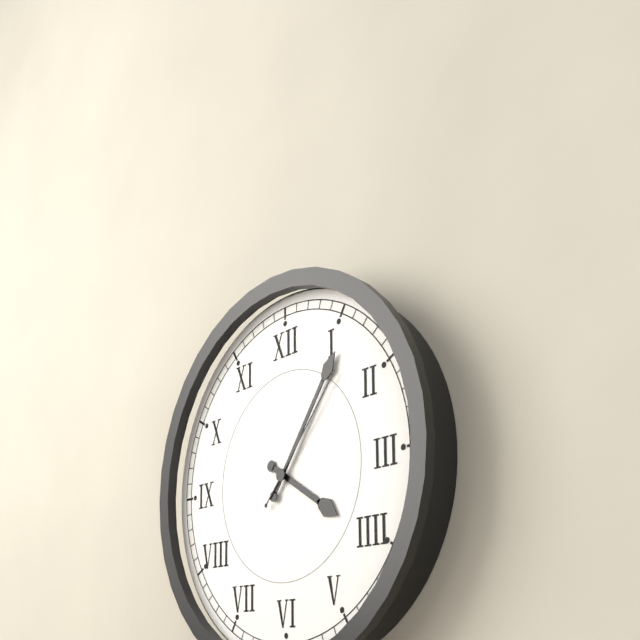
h=4 m=6 s=7
